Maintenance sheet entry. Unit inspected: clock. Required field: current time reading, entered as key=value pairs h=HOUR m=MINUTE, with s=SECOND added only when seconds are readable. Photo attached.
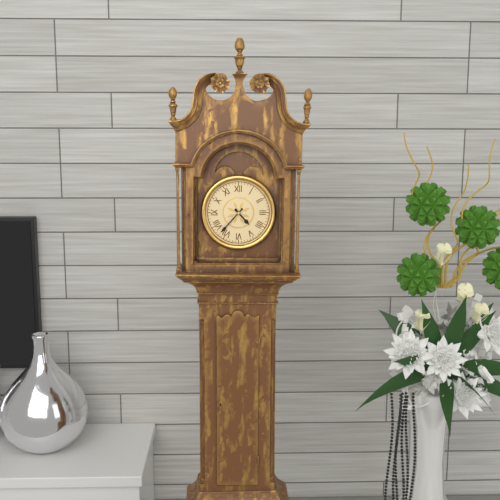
h=4 m=37
